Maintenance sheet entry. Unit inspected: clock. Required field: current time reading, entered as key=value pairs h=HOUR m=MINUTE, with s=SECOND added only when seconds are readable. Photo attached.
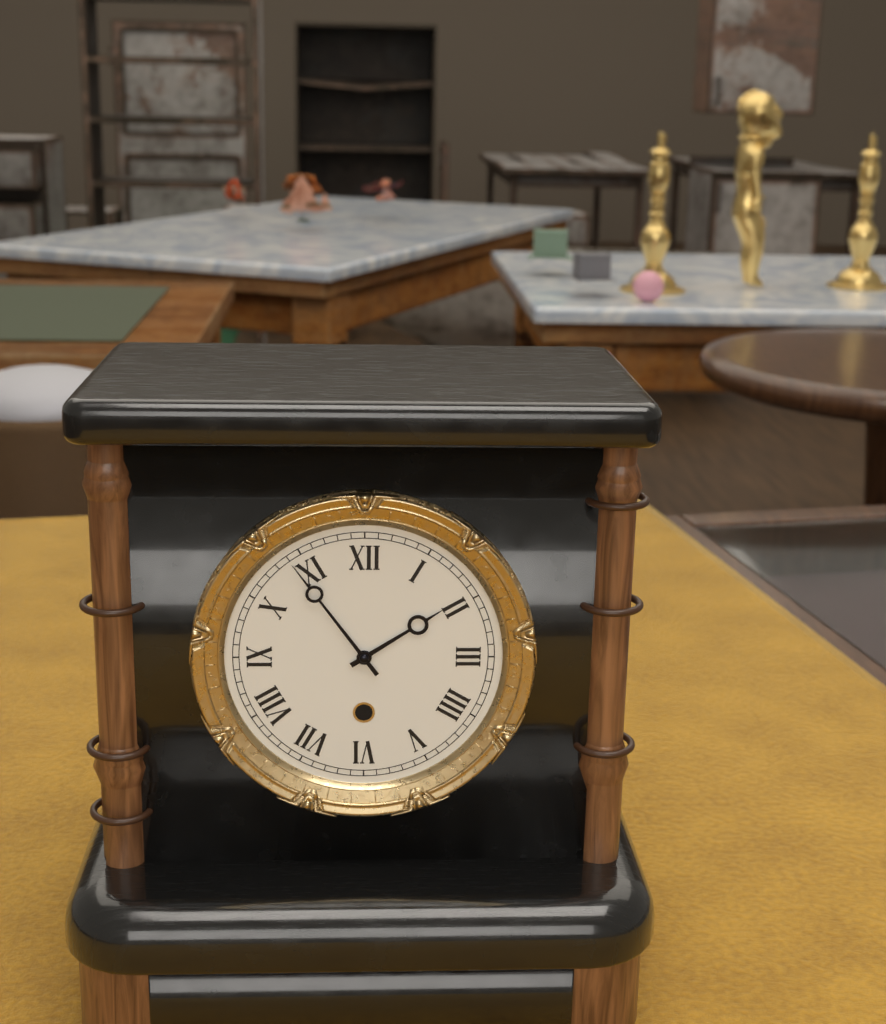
h=1 m=54
